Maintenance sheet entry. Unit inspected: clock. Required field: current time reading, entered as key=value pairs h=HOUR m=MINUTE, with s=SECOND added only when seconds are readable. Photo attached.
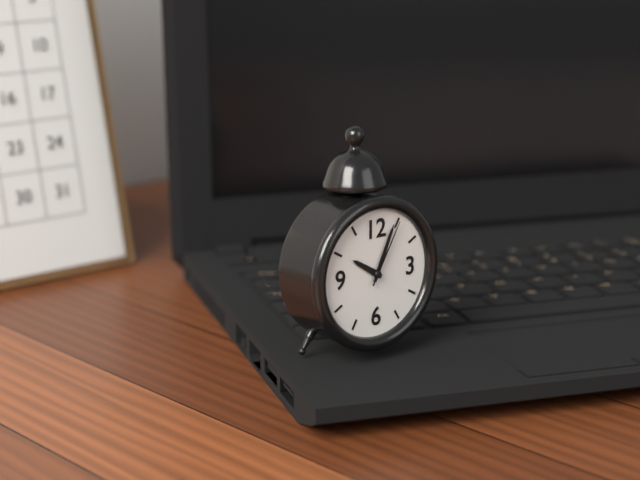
h=10 m=4 s=5
